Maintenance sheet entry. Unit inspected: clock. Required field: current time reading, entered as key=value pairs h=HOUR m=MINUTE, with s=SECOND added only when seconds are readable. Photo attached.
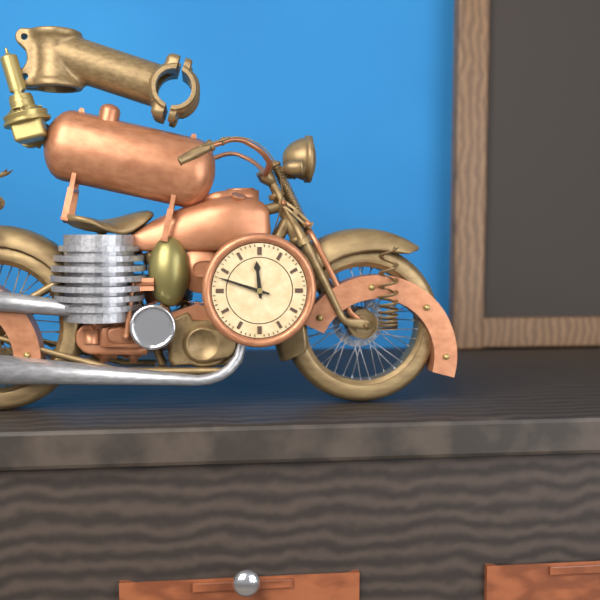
h=11 m=48
